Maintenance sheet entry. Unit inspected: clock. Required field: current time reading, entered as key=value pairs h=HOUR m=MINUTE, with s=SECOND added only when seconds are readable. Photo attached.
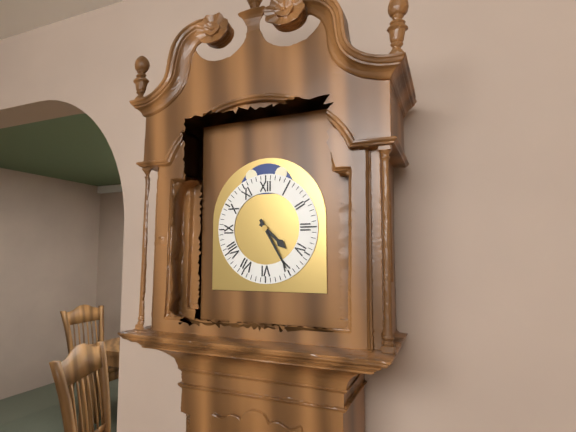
h=4 m=25
